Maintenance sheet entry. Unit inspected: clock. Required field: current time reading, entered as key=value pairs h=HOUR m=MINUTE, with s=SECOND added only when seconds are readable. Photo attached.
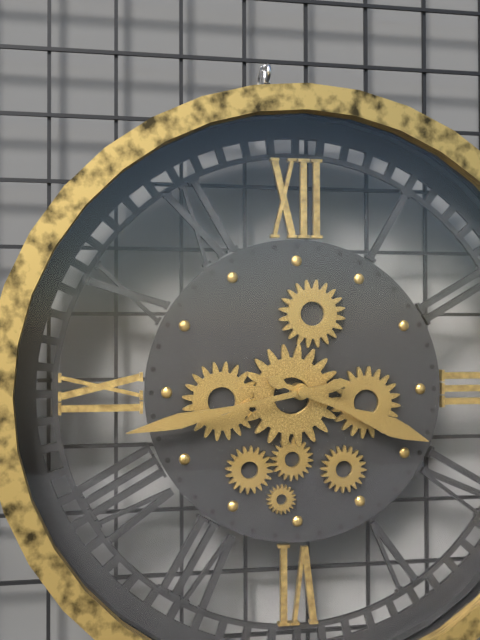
h=3 m=43
